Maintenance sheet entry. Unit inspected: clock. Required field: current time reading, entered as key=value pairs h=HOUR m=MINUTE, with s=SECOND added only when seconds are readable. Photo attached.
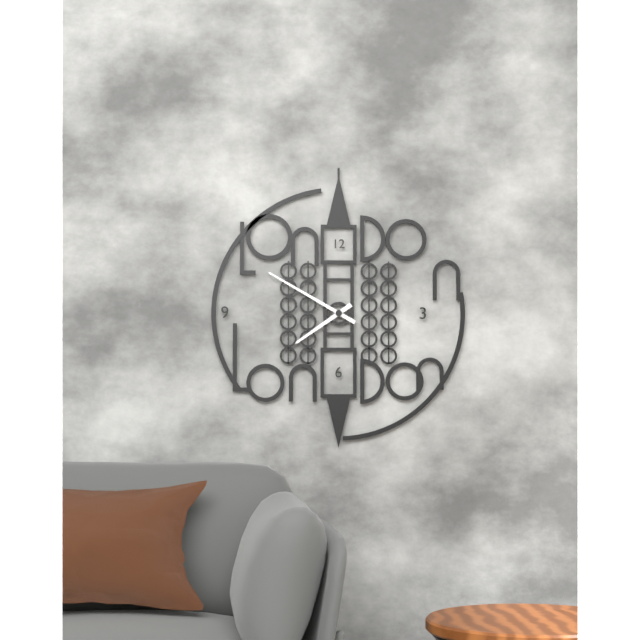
h=7 m=50
